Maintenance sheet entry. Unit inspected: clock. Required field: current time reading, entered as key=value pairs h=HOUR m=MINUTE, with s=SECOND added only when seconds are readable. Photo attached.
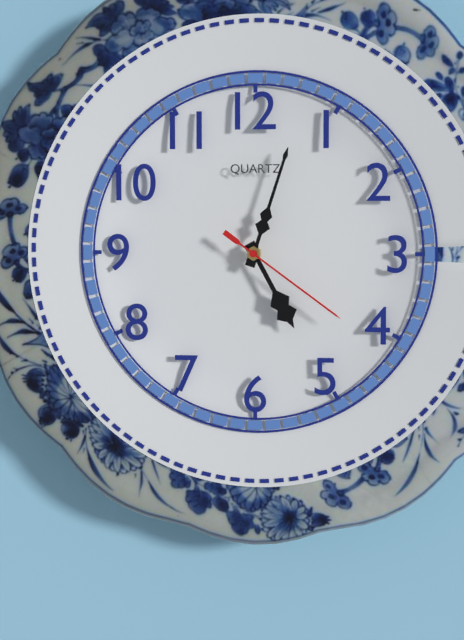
h=5 m=3 s=21
